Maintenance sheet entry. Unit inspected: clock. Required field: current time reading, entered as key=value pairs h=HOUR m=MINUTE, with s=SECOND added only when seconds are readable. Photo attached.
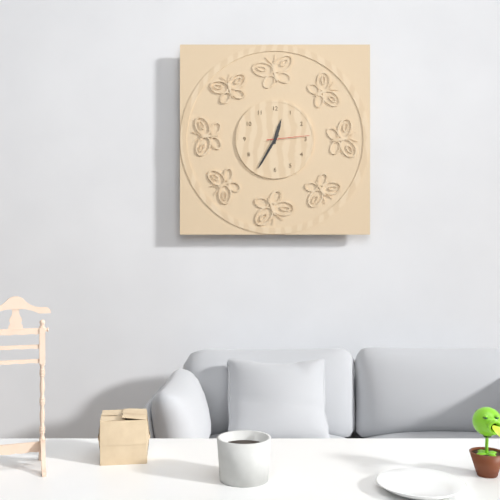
h=12 m=35
